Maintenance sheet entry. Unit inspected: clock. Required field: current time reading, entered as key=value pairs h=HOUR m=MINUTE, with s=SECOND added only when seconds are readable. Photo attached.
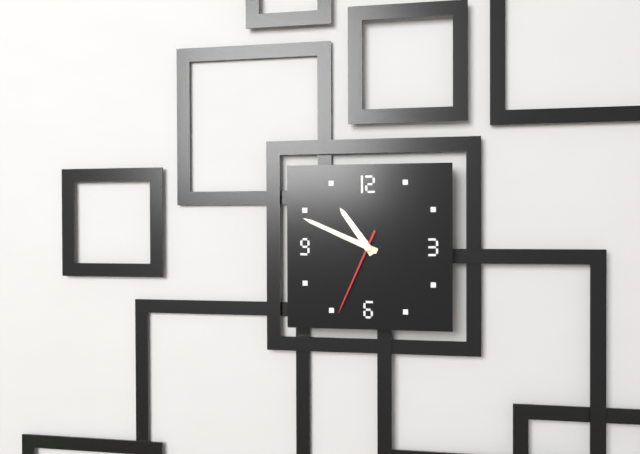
h=10 m=49 s=34
